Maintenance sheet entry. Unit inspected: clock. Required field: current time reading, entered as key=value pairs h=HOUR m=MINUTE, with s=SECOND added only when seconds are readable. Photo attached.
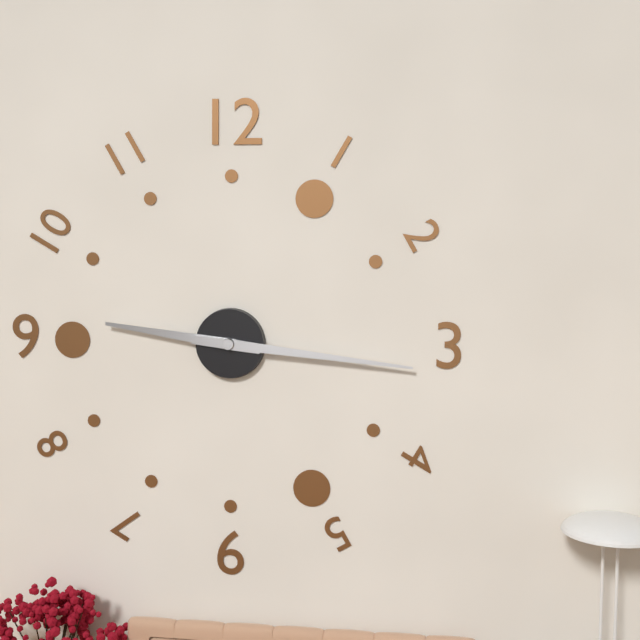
h=9 m=16
